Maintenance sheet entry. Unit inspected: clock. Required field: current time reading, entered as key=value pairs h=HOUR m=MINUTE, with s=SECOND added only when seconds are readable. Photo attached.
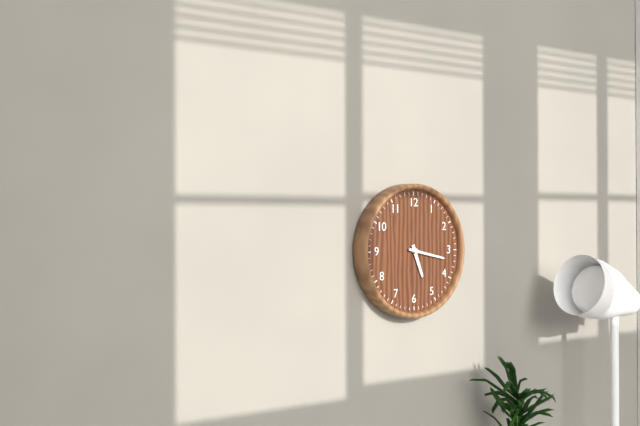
h=5 m=17
